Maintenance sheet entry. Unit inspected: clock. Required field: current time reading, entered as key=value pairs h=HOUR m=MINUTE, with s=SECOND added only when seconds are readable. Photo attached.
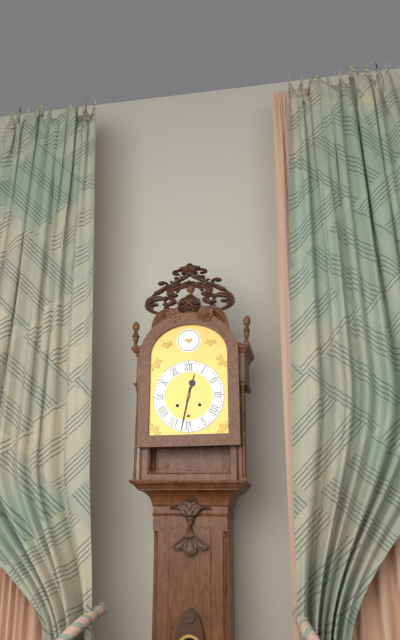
h=12 m=32
